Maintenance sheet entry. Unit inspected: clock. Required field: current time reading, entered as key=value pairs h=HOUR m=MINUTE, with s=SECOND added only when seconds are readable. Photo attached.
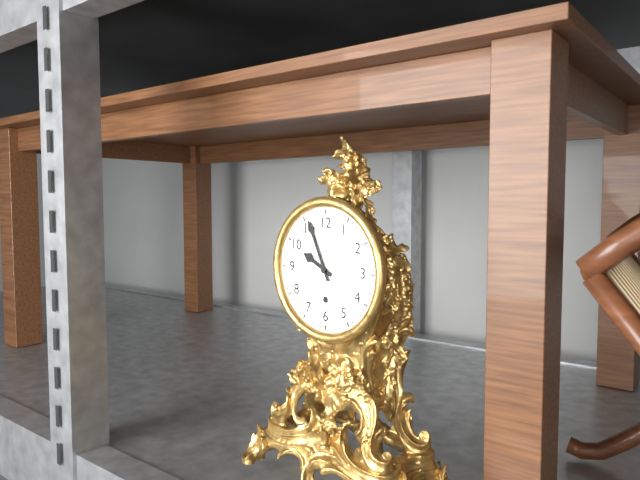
h=9 m=56
